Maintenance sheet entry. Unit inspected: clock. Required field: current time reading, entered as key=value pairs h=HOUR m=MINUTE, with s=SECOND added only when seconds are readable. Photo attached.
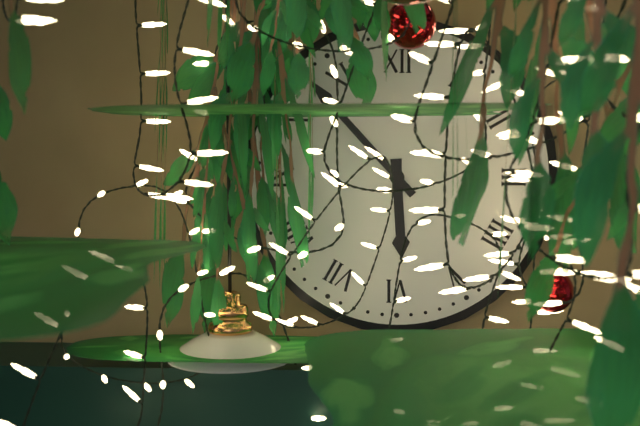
h=5 m=53
